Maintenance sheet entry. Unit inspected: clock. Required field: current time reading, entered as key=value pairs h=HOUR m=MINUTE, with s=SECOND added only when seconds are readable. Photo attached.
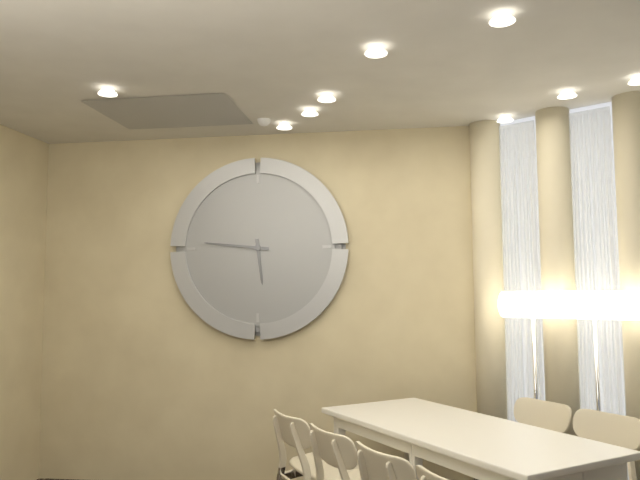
h=5 m=46
